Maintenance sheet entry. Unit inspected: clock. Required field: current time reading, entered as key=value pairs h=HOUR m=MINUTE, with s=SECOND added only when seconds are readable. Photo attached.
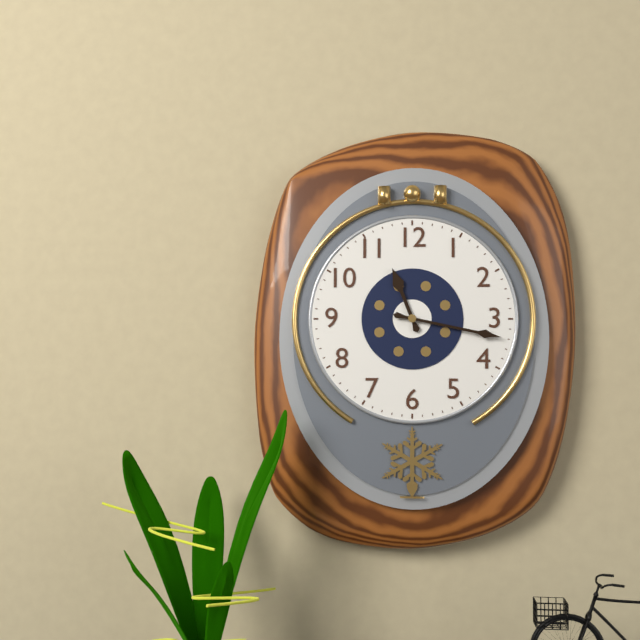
h=11 m=17
